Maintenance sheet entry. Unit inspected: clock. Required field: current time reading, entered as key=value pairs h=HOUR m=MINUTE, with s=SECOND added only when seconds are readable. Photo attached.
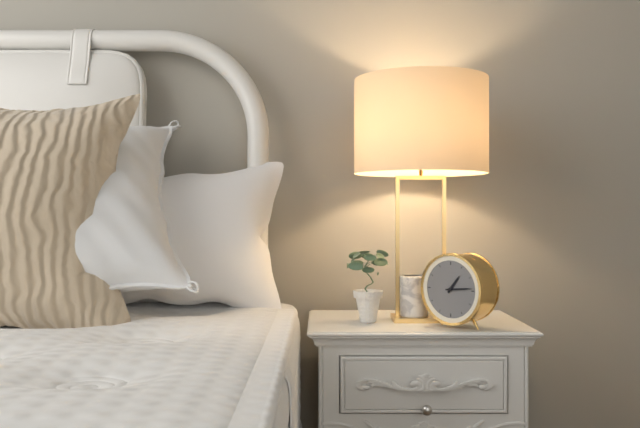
h=1 m=14
